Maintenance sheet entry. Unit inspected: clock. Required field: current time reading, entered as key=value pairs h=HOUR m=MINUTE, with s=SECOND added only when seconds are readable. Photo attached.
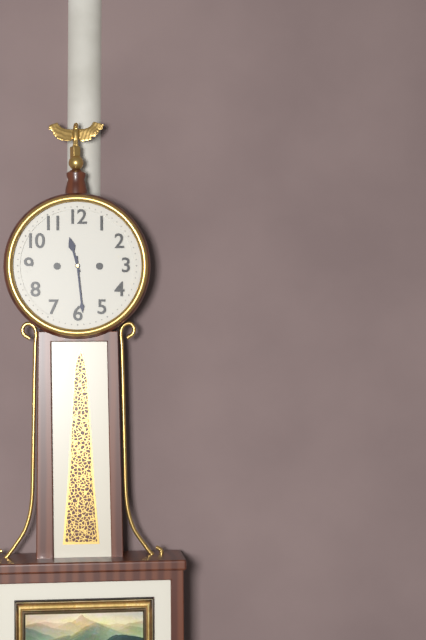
h=11 m=29
